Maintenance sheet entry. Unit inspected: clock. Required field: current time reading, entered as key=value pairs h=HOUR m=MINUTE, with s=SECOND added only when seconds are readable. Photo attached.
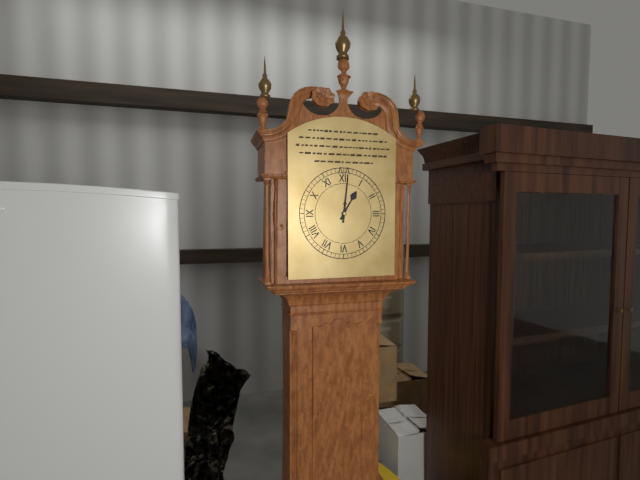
h=1 m=1
